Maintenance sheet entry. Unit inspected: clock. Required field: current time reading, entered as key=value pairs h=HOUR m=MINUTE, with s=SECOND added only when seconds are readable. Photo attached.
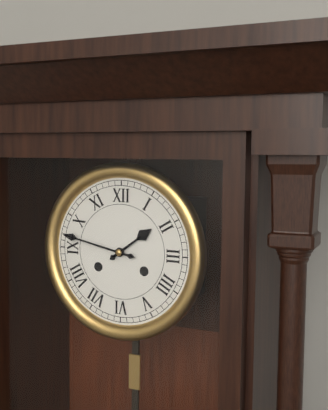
h=1 m=47
